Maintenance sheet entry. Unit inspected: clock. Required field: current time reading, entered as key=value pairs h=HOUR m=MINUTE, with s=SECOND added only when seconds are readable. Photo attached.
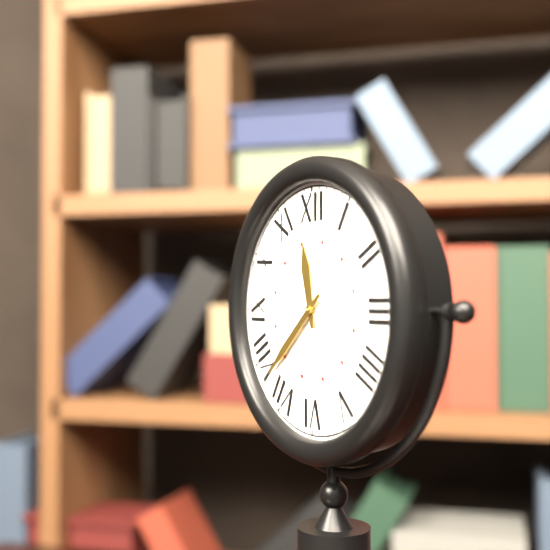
h=11 m=38
